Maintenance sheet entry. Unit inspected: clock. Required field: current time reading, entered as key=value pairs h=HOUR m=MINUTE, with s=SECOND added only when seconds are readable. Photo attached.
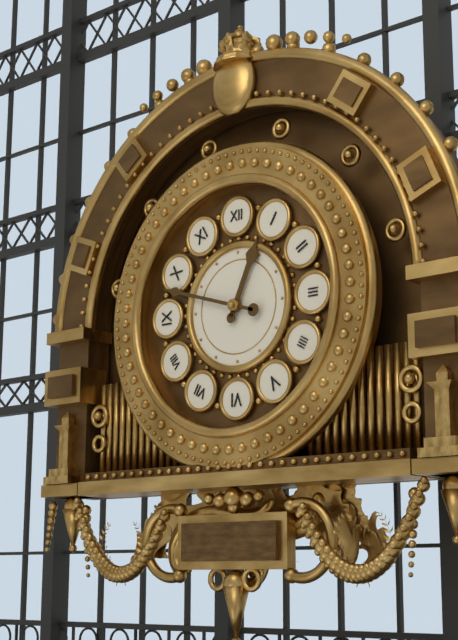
h=12 m=48
